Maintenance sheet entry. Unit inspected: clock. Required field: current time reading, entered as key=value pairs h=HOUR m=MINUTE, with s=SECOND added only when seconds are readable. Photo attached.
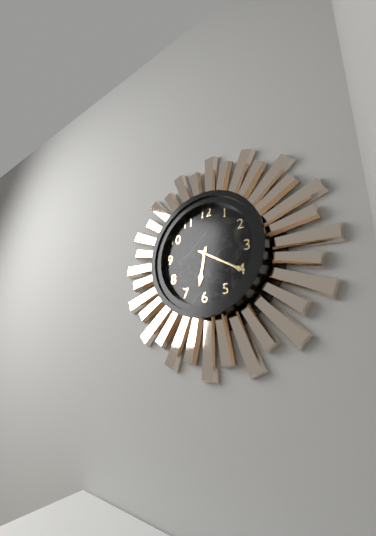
h=6 m=20
